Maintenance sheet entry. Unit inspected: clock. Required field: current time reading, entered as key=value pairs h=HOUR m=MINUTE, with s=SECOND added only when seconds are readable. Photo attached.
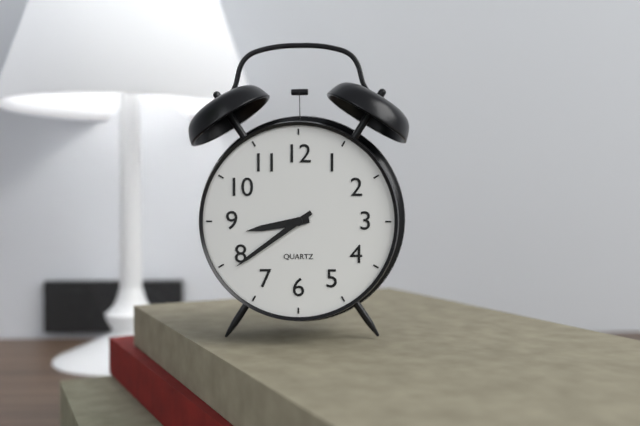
h=8 m=39
